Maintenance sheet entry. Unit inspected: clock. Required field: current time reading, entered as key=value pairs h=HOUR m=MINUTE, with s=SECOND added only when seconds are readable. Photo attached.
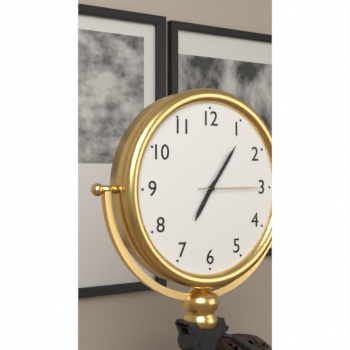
h=7 m=6 s=15
